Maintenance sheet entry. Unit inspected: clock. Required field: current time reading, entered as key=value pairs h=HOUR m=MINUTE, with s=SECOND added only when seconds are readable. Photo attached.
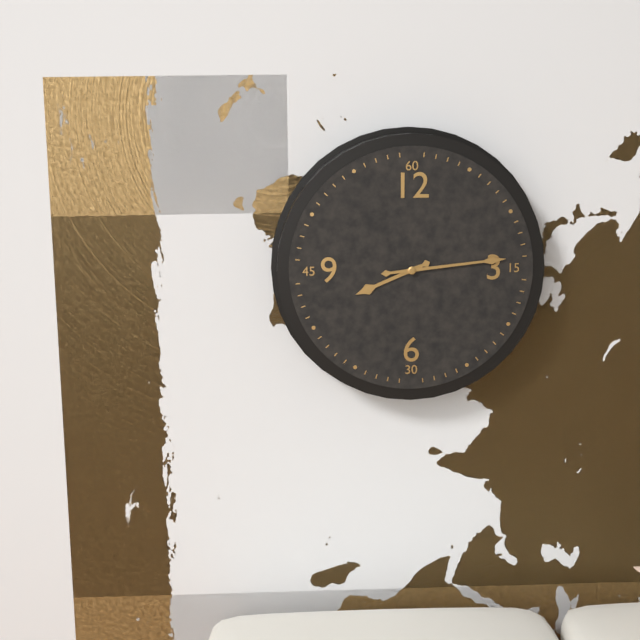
h=8 m=14
